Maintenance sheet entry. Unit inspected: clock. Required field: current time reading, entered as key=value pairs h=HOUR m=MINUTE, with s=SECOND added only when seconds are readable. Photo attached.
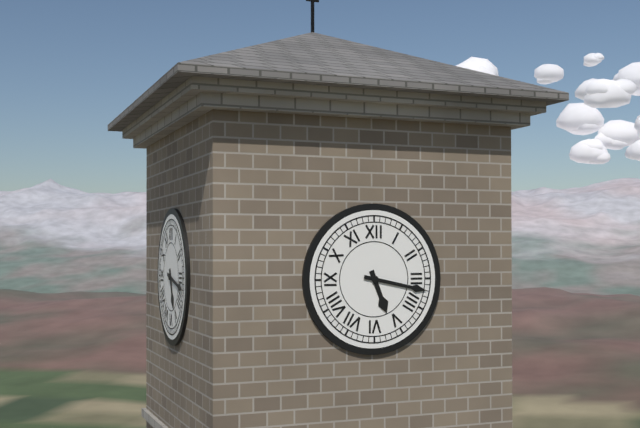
h=5 m=17
